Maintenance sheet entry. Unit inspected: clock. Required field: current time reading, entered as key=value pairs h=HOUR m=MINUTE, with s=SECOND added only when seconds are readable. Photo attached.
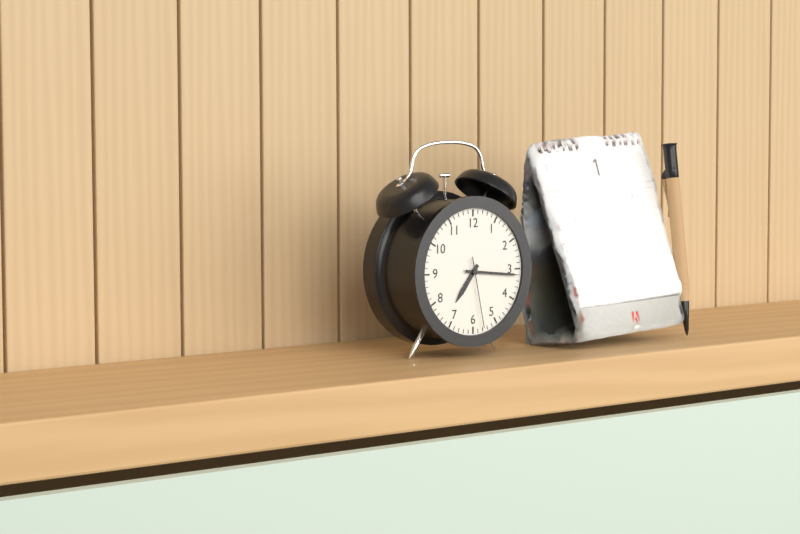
h=7 m=16 s=28
